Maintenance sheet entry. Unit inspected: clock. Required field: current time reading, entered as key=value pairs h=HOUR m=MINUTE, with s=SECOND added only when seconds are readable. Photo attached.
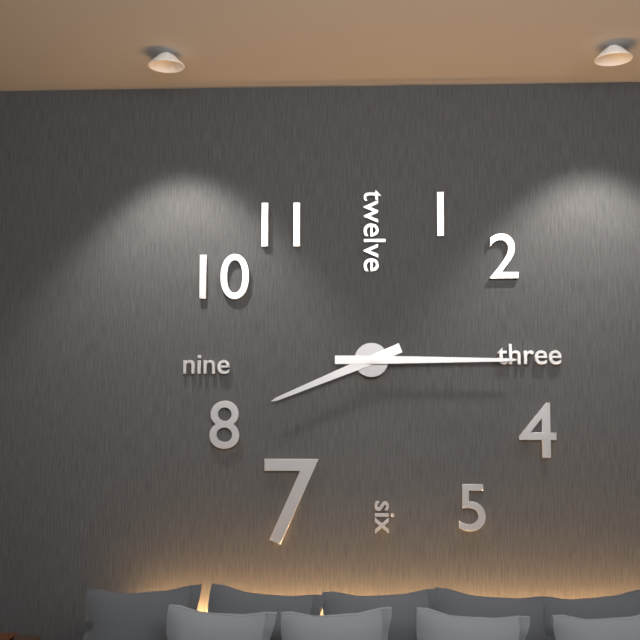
h=8 m=15
